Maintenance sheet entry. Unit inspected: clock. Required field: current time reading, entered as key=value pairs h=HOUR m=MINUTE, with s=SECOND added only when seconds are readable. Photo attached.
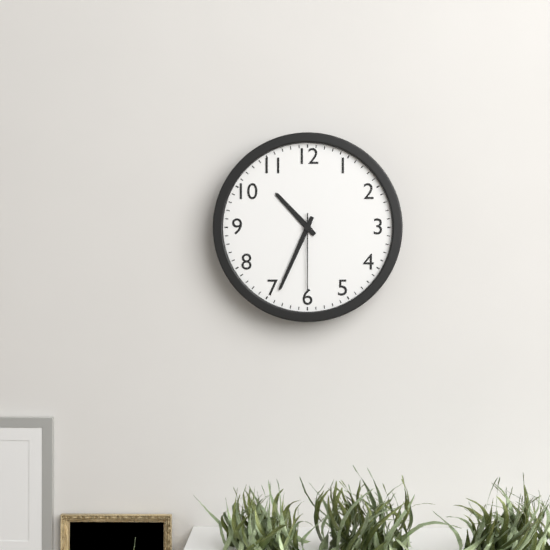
h=10 m=34 s=30
